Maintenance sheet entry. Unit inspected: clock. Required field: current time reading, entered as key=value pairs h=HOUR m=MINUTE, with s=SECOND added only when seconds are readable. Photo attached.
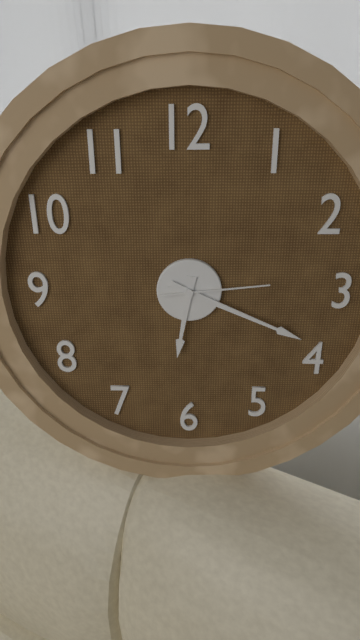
h=6 m=19 s=14
